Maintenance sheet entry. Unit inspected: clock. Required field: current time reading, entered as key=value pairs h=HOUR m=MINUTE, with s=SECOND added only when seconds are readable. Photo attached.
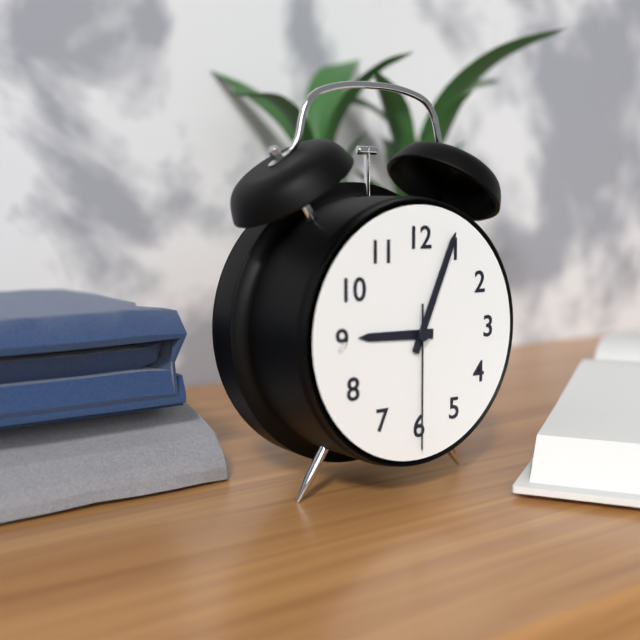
h=9 m=4 s=30
